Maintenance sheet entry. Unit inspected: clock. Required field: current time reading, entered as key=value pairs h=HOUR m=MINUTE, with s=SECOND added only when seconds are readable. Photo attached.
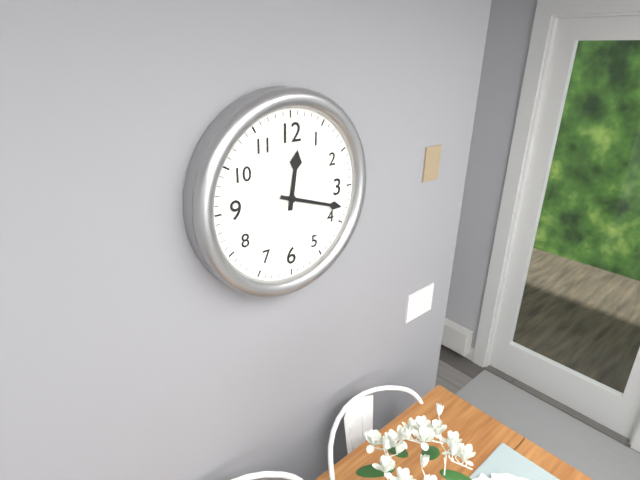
h=12 m=18
